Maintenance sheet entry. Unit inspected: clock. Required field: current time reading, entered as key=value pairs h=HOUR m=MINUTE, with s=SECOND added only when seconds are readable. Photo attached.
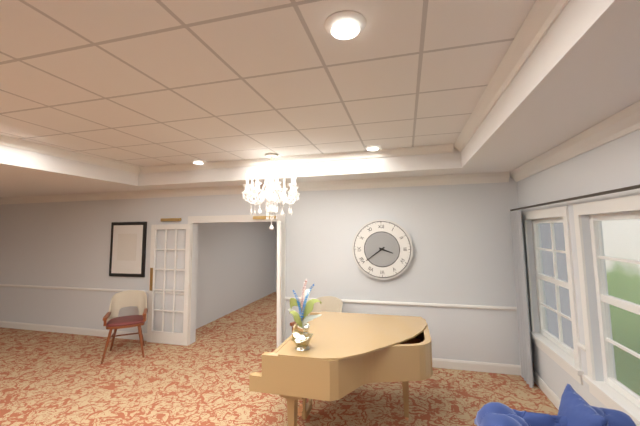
h=3 m=39
